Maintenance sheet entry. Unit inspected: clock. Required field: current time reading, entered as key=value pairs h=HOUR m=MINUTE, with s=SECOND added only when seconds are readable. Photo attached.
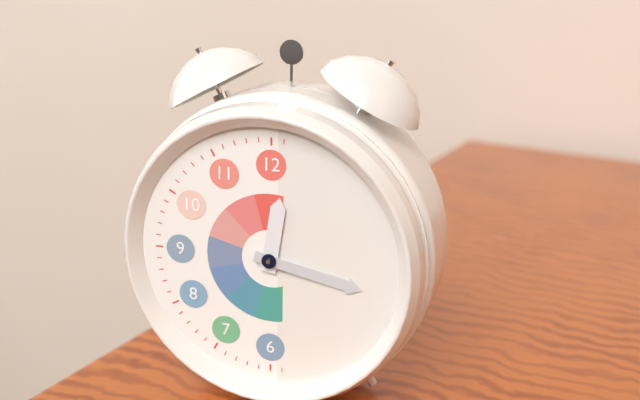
h=12 m=17
